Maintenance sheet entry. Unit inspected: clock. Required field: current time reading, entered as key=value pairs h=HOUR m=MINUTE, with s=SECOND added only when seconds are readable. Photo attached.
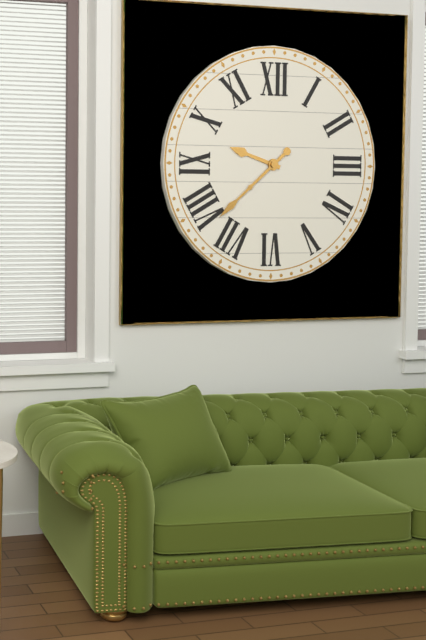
h=9 m=38
